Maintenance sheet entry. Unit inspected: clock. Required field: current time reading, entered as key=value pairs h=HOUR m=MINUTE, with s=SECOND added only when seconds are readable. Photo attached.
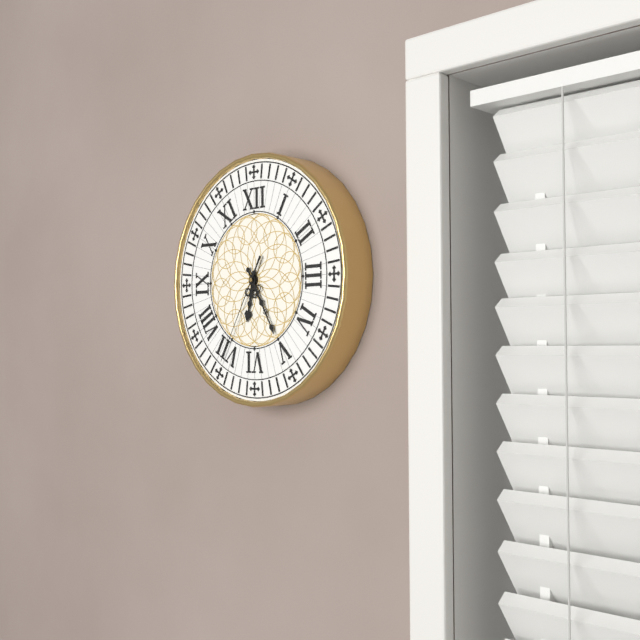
h=6 m=25 s=35
